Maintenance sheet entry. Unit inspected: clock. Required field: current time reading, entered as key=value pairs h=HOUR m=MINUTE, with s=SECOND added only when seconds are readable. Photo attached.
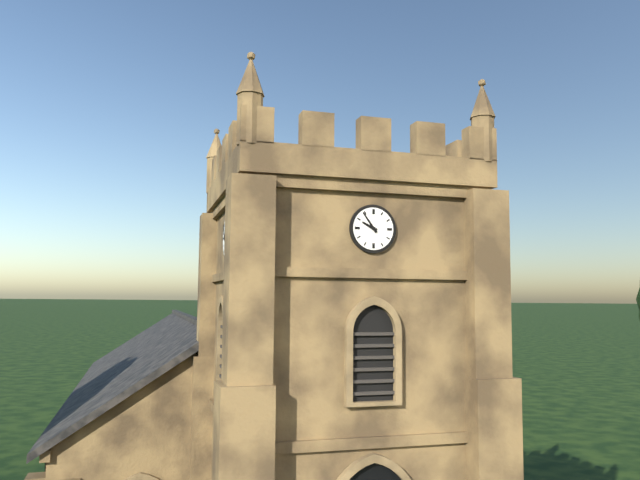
h=9 m=54
